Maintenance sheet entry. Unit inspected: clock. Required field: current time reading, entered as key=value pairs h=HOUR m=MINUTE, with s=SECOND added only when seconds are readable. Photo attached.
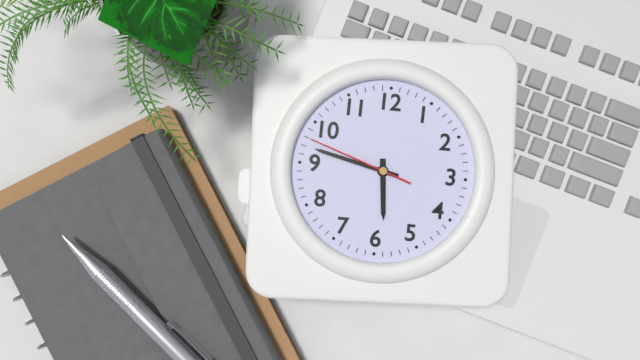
h=5 m=47 s=48
